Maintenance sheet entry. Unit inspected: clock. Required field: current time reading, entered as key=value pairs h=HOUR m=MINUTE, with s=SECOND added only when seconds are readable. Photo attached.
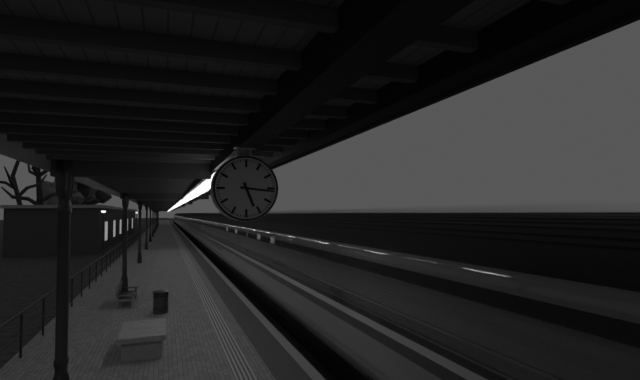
h=5 m=16
